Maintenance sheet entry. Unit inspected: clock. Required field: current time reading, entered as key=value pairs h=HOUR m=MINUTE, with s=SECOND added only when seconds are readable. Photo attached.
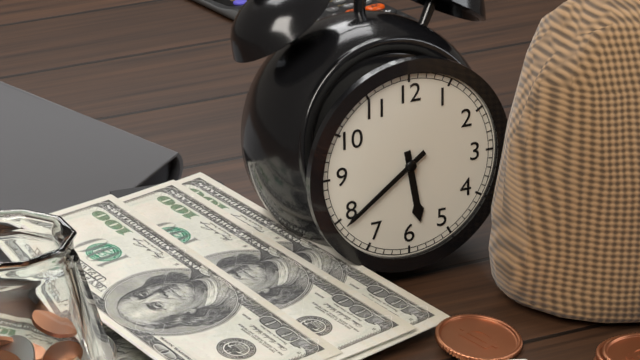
h=5 m=39
